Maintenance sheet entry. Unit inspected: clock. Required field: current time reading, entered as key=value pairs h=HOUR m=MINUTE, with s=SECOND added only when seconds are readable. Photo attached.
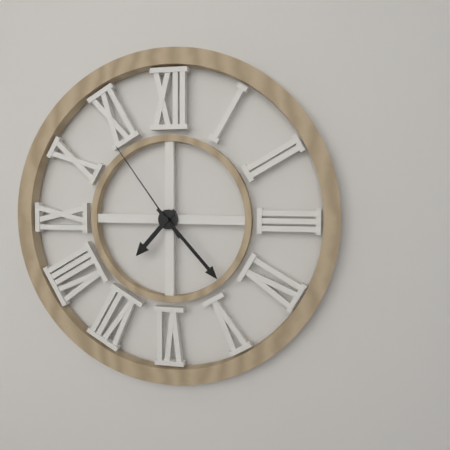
h=7 m=23 s=54
